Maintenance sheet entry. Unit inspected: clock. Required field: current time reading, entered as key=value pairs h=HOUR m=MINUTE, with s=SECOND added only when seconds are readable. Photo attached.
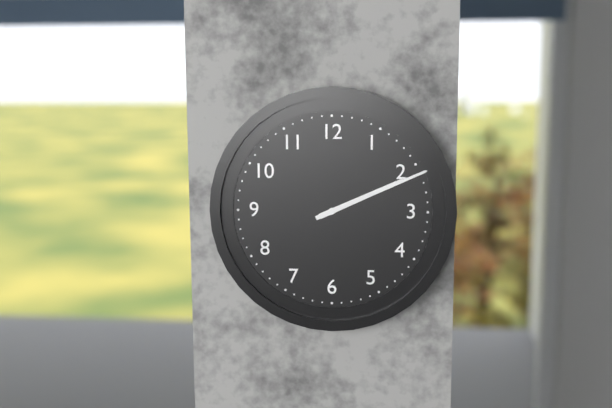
h=2 m=11
